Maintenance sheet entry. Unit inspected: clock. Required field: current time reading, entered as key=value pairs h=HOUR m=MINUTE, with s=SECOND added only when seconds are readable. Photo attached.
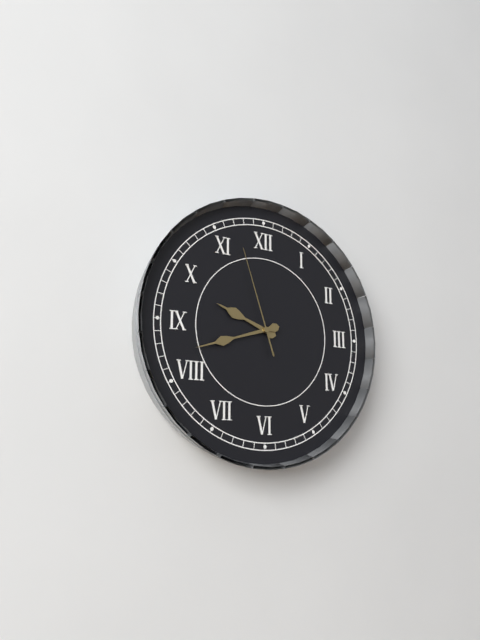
h=9 m=42 s=57
